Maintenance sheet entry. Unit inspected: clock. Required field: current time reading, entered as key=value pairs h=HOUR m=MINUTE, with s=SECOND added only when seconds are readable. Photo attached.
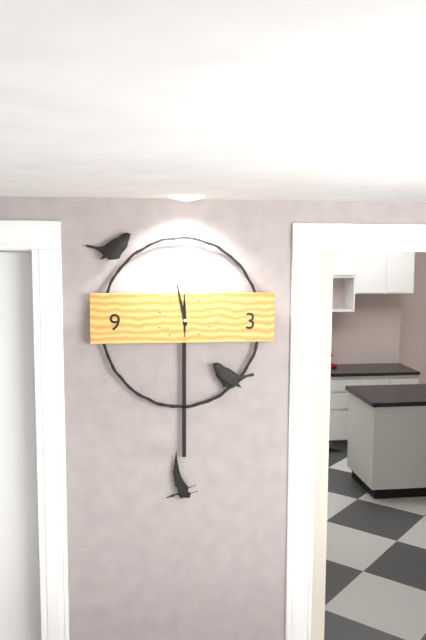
h=11 m=58
